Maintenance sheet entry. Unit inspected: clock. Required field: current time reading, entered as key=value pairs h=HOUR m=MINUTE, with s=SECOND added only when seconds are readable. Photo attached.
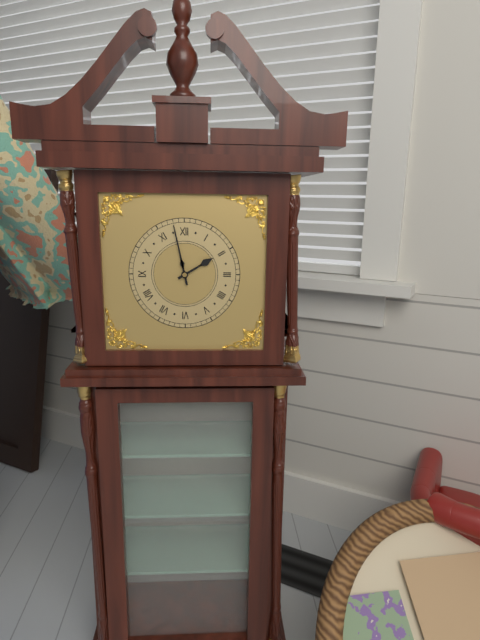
h=1 m=58
